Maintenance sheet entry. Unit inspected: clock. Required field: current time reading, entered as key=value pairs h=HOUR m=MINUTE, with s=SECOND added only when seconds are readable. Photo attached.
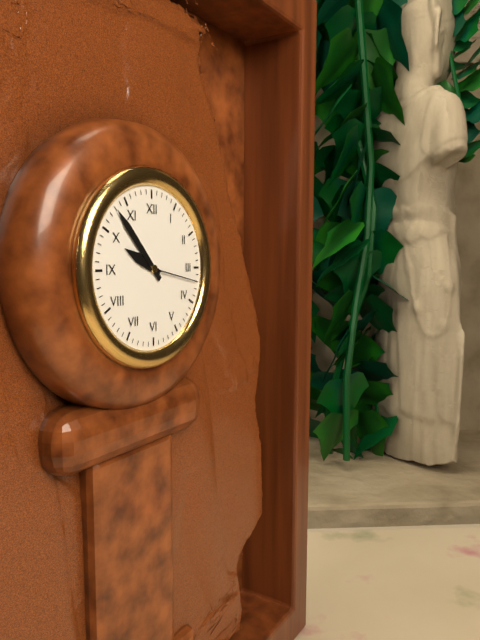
h=9 m=53 s=17
